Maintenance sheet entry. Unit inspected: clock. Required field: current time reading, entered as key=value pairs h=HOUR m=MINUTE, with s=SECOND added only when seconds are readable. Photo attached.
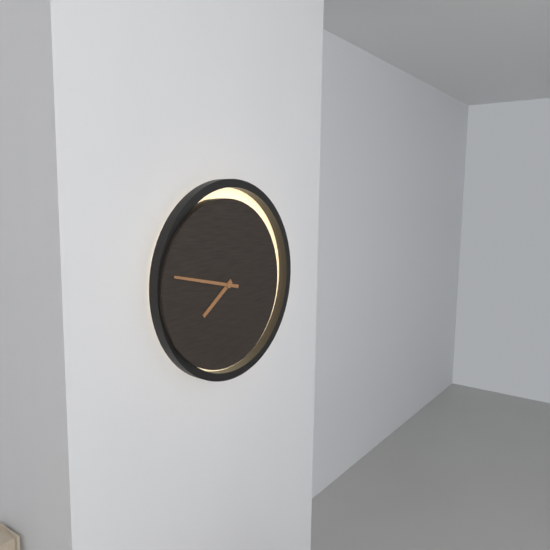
h=7 m=47
